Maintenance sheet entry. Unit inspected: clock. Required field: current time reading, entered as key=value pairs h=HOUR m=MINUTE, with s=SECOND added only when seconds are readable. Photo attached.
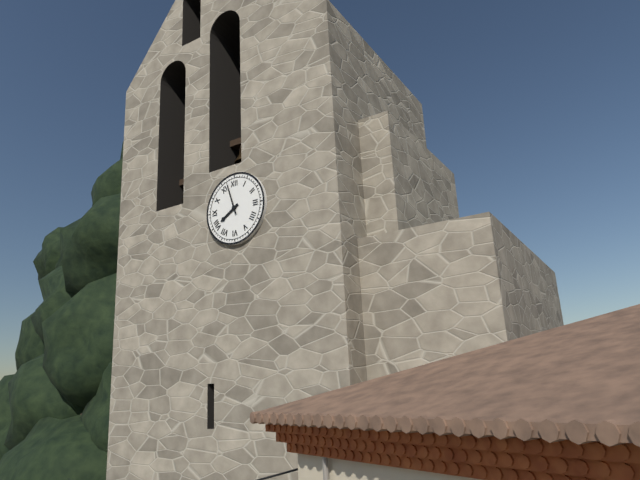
h=7 m=57
